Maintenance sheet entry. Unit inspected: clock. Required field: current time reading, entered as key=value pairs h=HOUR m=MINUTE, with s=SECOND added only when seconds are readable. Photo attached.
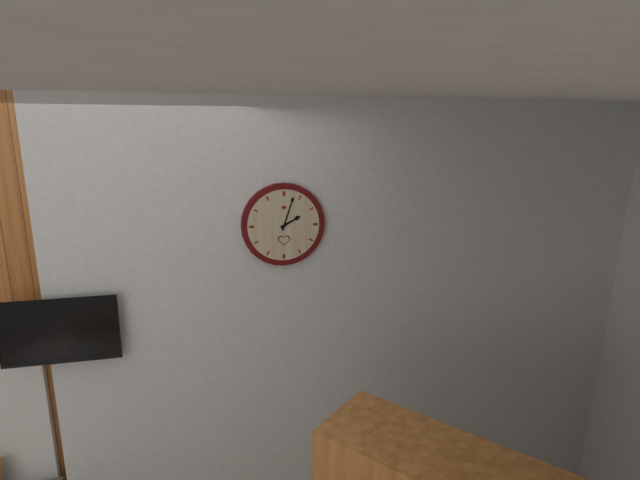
h=2 m=3
